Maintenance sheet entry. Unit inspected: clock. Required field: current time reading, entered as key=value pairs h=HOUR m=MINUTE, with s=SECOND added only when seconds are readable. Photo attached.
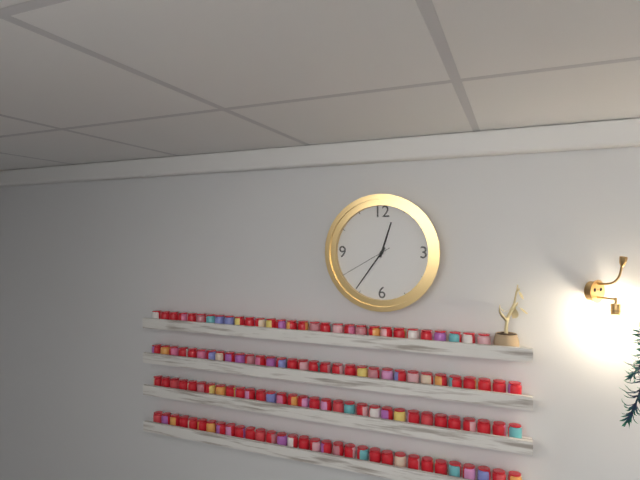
h=12 m=36 s=40
